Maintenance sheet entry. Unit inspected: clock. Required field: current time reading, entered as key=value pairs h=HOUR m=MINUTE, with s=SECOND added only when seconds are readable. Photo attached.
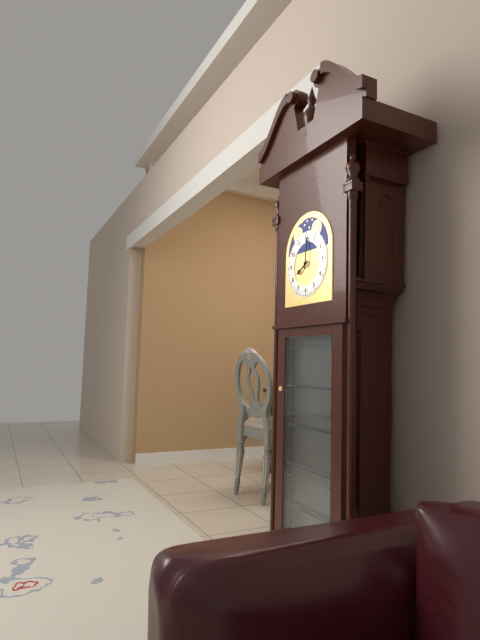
h=8 m=1
